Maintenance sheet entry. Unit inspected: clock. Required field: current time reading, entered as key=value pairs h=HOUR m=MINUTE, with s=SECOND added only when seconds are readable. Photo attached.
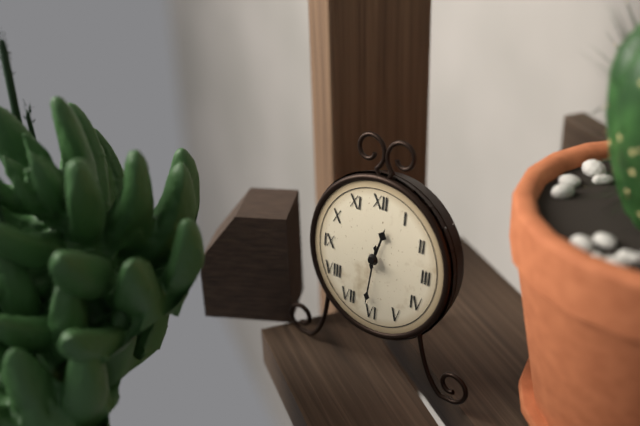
h=12 m=31
